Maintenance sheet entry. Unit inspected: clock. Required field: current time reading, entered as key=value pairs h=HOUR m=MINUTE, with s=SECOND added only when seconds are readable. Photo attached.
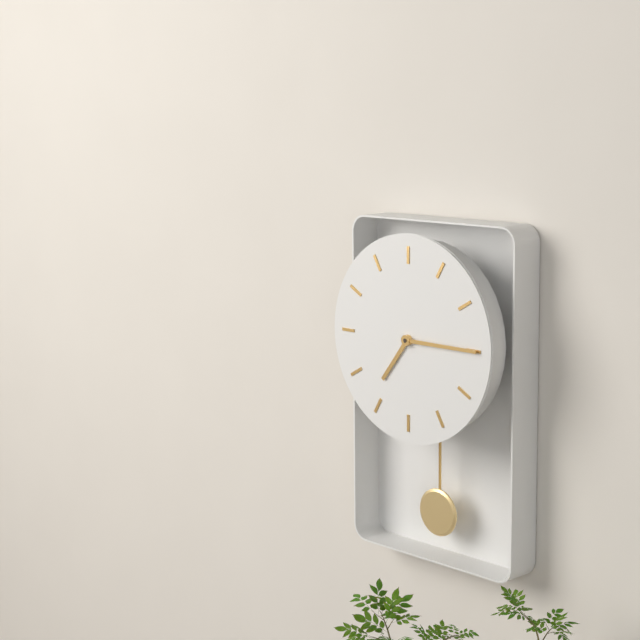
h=7 m=15
